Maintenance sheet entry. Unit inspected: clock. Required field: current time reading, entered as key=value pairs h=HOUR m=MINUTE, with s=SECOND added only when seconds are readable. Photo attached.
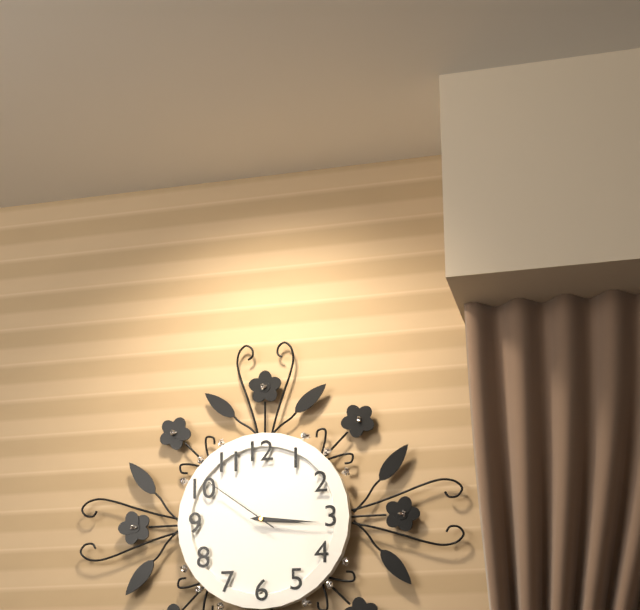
h=3 m=16 s=51
